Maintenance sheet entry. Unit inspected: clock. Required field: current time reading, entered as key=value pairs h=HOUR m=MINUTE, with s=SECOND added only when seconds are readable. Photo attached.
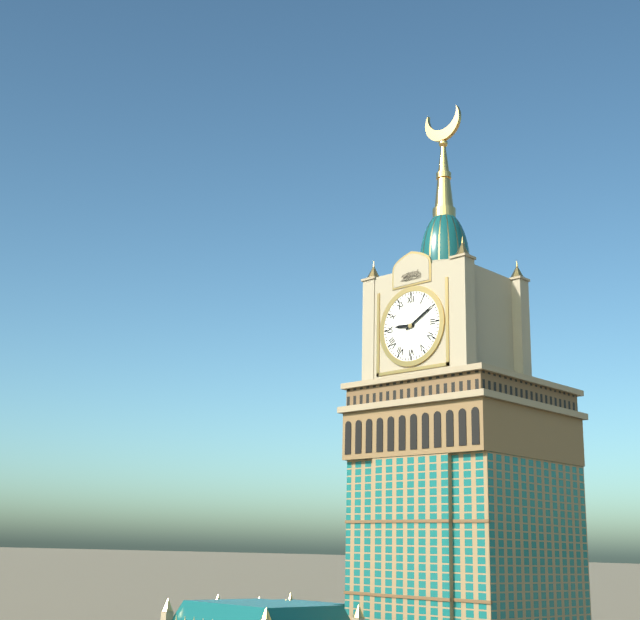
h=9 m=10
